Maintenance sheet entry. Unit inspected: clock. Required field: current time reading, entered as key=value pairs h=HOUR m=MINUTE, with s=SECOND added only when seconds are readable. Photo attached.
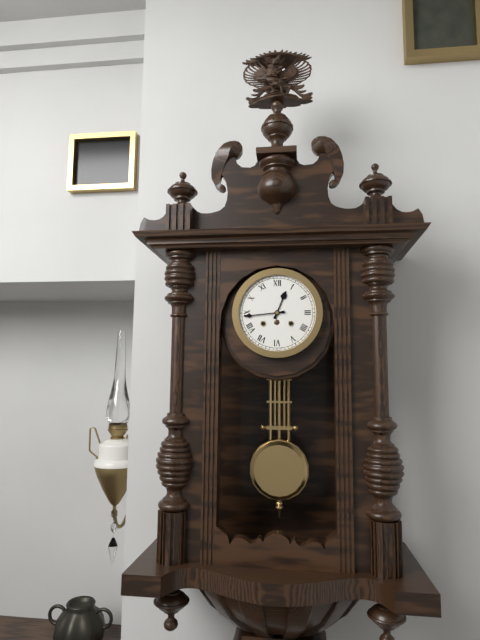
h=12 m=44
